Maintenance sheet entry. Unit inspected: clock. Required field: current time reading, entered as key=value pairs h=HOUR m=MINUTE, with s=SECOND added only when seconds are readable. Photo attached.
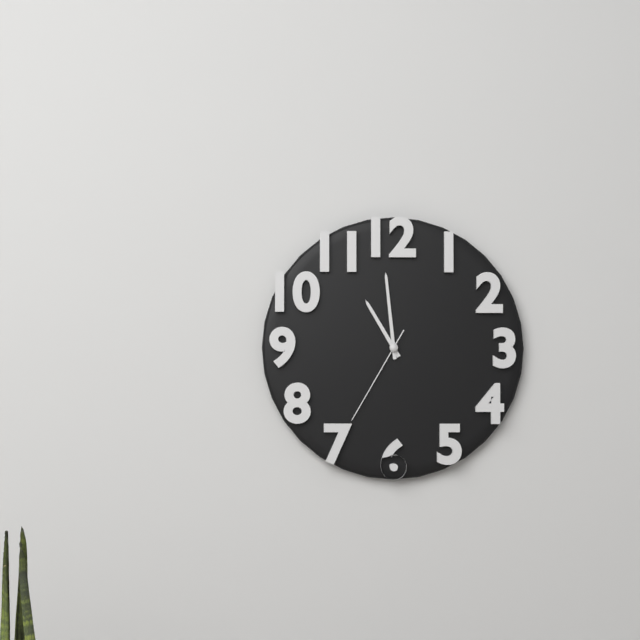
h=10 m=59 s=35
